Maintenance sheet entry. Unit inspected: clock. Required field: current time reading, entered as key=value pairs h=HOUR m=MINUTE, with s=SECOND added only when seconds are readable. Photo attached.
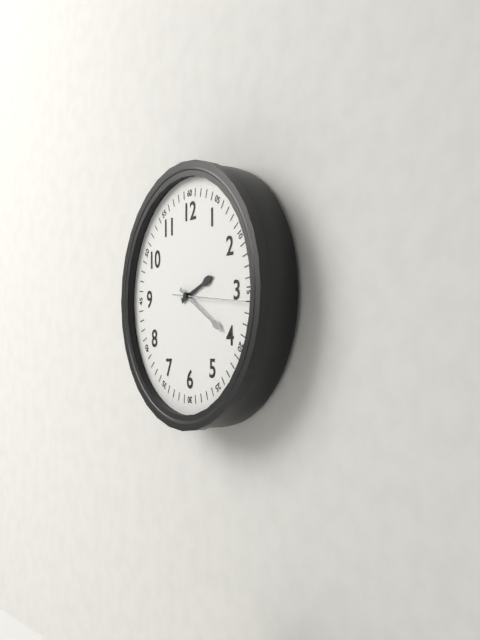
h=2 m=20 s=16
